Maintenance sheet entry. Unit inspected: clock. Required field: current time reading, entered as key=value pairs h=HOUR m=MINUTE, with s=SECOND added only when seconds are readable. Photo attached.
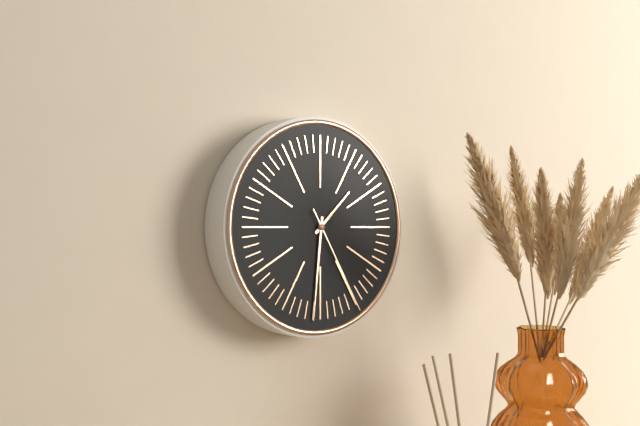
h=1 m=31 s=25
